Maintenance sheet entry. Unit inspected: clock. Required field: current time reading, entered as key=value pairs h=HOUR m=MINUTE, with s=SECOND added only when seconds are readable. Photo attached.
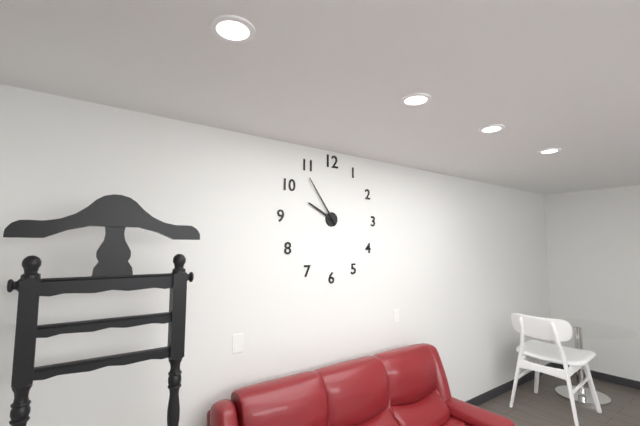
h=9 m=54
